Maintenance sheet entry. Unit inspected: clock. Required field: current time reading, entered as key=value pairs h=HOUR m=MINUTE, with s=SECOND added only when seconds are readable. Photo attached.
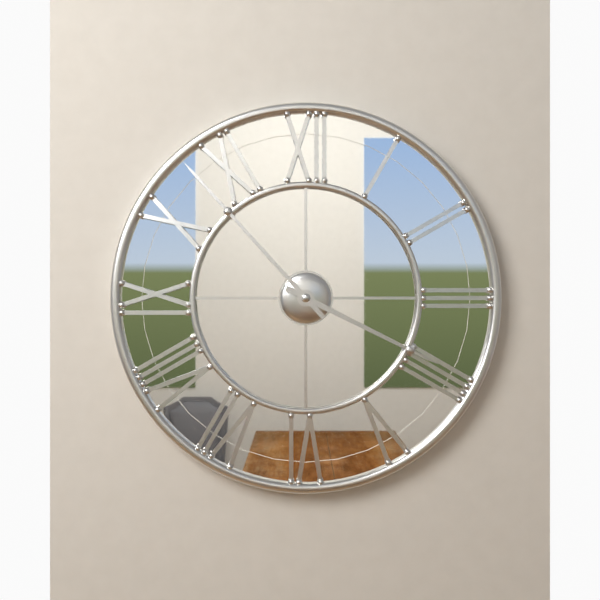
h=3 m=53
